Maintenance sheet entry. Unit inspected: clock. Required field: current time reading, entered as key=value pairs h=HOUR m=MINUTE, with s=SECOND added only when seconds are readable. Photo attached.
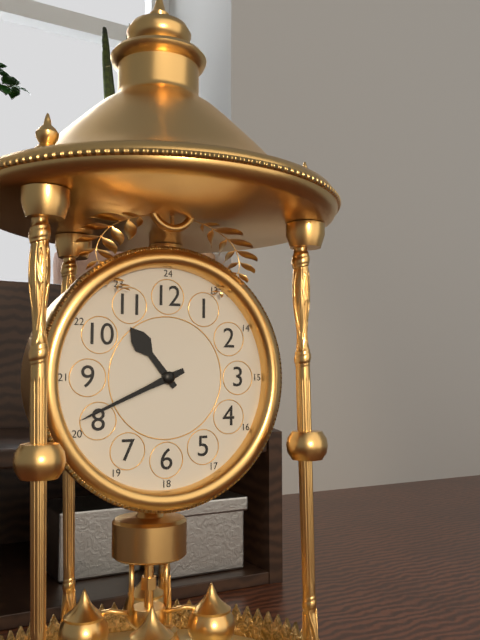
h=10 m=41
